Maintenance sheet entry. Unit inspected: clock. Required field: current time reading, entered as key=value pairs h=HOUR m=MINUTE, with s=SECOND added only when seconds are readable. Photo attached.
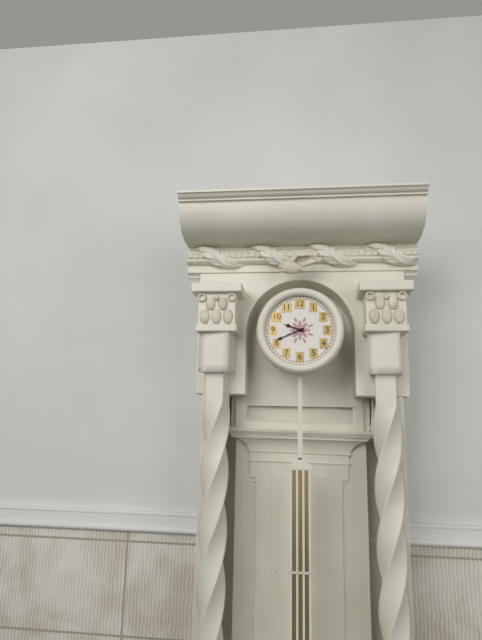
h=9 m=41
